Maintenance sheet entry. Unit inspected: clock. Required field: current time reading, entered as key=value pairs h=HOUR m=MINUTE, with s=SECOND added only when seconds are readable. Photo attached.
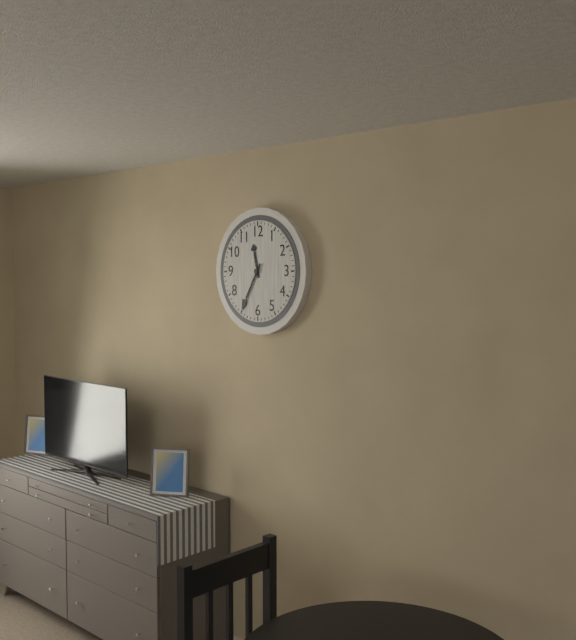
h=11 m=35
